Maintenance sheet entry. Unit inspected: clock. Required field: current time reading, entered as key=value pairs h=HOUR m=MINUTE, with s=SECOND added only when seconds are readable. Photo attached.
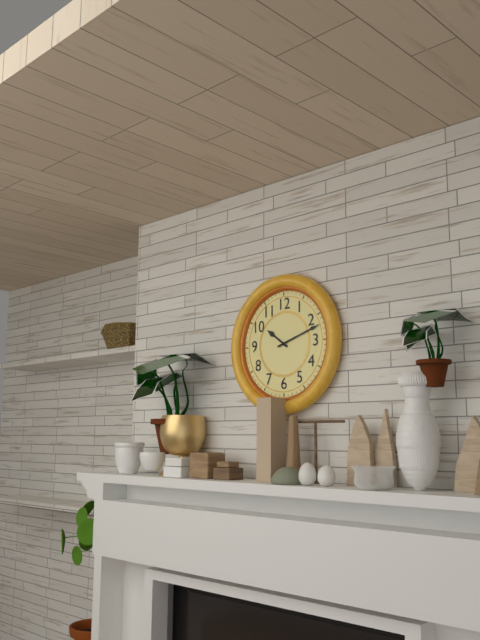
h=10 m=12
